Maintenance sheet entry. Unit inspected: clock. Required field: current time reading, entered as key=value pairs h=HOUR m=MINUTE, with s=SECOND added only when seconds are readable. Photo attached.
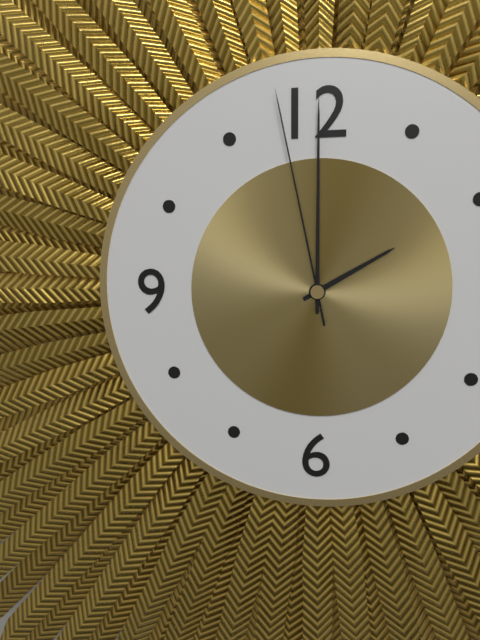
h=2 m=0 s=58
